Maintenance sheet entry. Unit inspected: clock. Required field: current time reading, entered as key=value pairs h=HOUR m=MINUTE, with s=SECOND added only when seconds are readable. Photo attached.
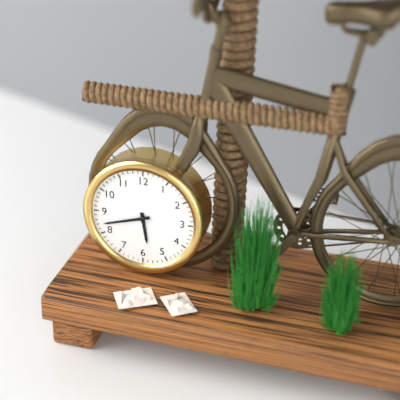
h=5 m=42
